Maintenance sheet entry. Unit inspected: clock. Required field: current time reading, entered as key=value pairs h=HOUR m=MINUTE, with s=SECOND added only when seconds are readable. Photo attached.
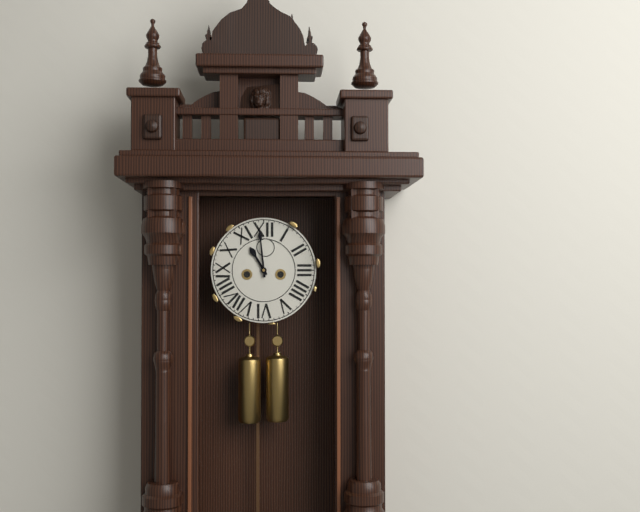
h=10 m=59
